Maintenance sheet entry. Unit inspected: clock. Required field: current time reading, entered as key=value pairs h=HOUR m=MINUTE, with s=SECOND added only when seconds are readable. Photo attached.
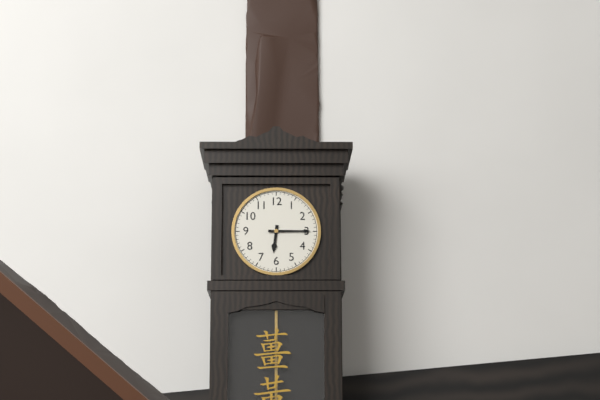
h=6 m=15
